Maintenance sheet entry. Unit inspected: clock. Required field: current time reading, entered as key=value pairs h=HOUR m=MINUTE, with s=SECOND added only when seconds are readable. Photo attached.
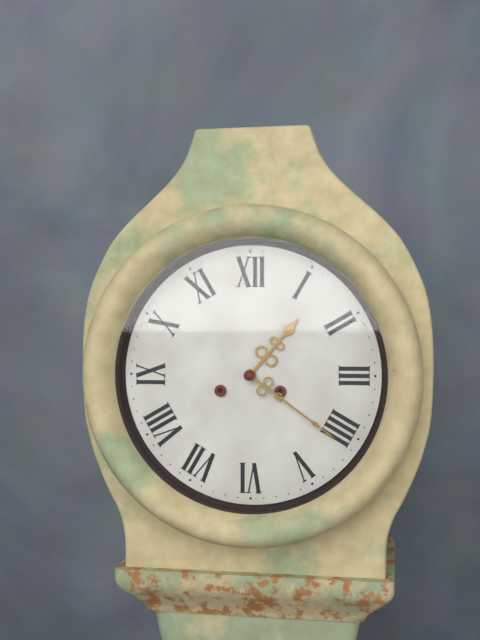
h=1 m=21
